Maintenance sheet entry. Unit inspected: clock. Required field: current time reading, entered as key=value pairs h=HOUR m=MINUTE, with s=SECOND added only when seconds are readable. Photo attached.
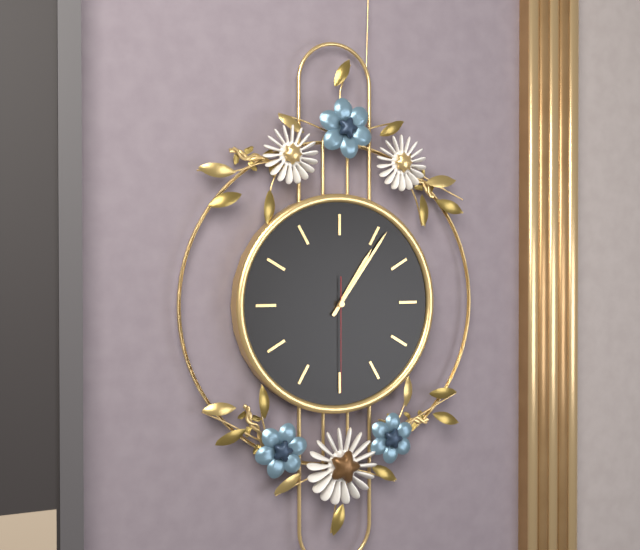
h=1 m=6 s=30
